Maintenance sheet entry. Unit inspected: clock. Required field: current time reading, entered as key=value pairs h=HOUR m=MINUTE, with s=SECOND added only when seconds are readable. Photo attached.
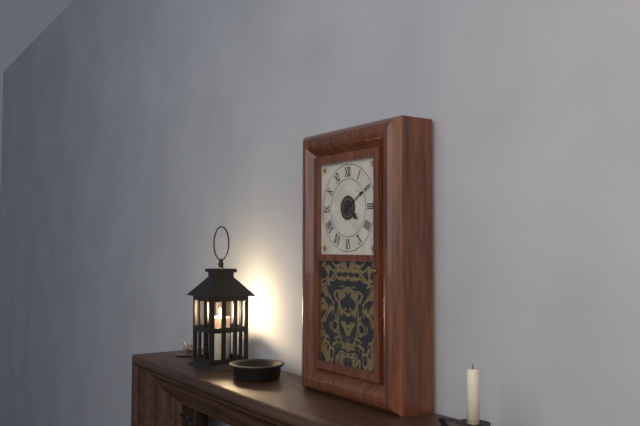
h=4 m=10
